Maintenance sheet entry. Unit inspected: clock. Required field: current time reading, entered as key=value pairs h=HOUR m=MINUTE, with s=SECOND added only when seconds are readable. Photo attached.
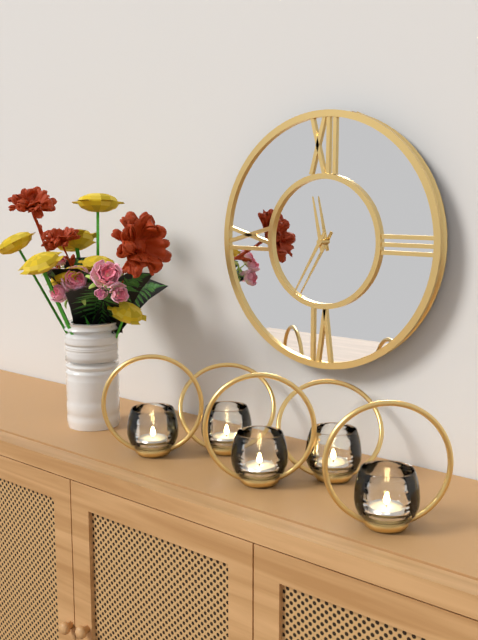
h=11 m=35
